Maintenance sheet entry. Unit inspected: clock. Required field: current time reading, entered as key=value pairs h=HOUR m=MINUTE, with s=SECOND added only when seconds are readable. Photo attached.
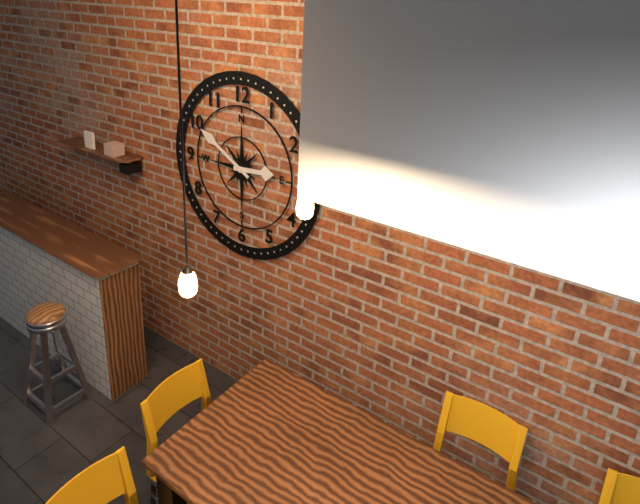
h=2 m=50
